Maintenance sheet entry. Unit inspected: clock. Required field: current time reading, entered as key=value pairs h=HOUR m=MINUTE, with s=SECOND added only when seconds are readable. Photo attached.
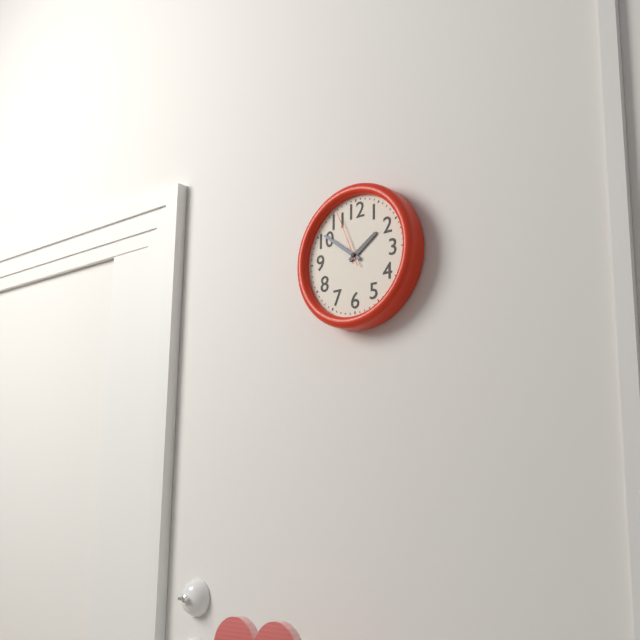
h=1 m=51 s=56
